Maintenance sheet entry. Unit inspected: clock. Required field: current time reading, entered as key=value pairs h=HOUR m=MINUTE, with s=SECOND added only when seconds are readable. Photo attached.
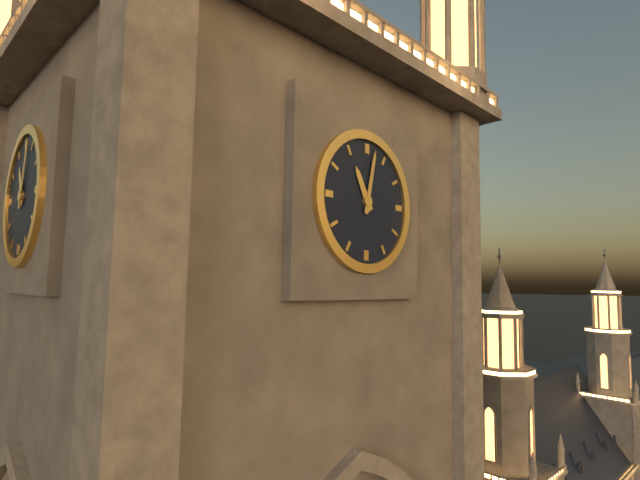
h=11 m=2
